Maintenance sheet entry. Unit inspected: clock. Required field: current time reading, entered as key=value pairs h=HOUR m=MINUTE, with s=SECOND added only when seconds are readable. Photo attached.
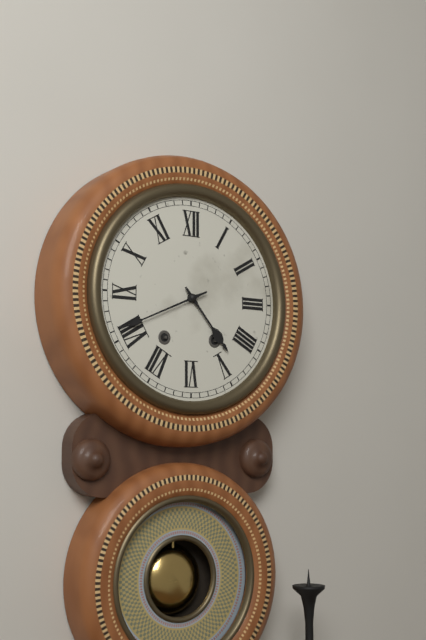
h=4 m=41
